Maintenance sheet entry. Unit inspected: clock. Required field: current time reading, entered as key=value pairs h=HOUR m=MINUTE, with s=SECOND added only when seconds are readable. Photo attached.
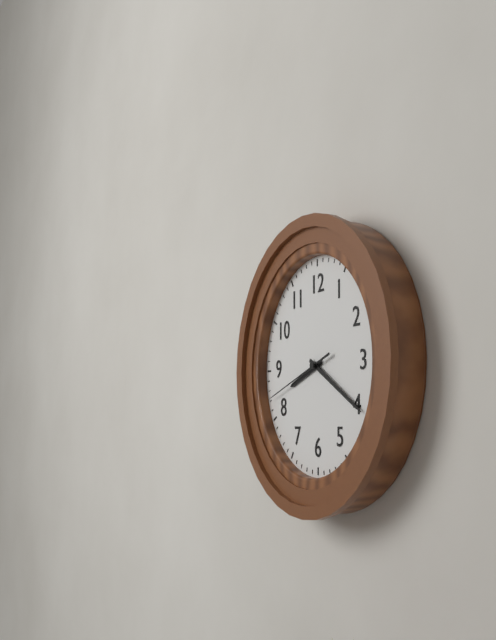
h=8 m=20 s=42
